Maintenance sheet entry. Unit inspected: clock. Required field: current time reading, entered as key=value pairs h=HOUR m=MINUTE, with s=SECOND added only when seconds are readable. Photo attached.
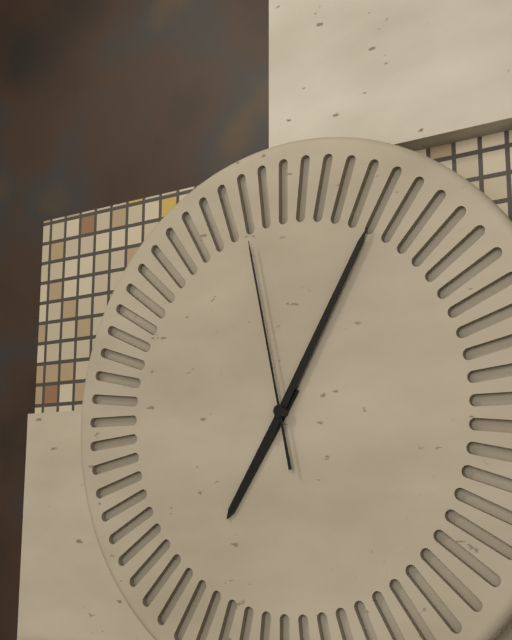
h=7 m=5 s=58
